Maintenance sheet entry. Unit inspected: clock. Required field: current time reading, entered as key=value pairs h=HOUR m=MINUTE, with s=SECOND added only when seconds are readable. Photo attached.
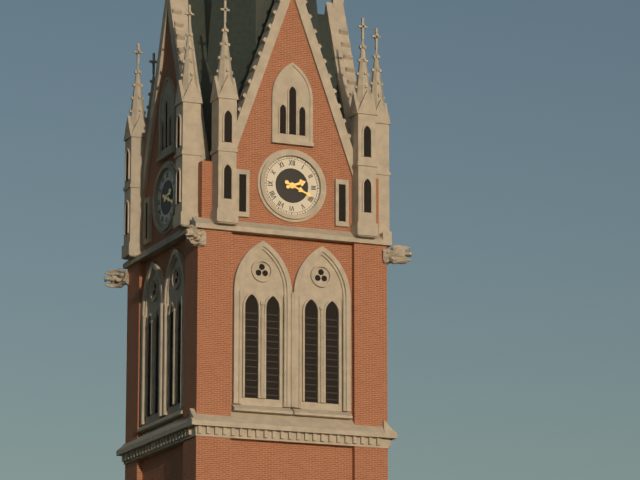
h=2 m=19
